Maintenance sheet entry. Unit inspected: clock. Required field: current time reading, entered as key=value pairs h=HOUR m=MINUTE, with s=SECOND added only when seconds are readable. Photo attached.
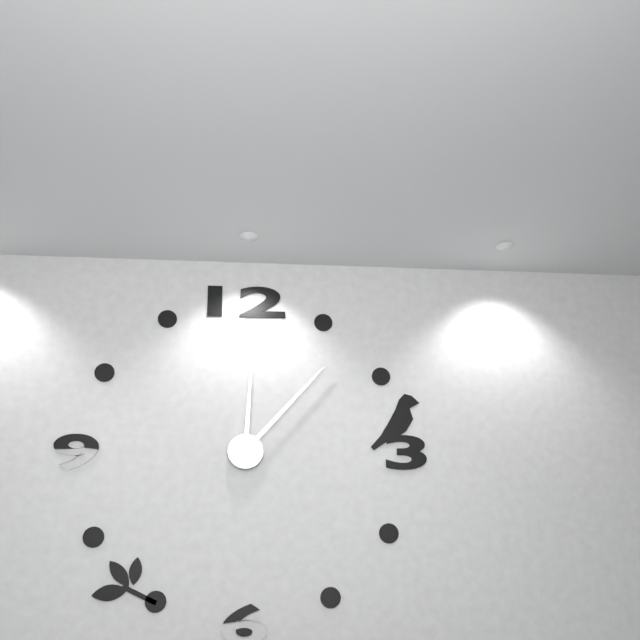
h=12 m=7
